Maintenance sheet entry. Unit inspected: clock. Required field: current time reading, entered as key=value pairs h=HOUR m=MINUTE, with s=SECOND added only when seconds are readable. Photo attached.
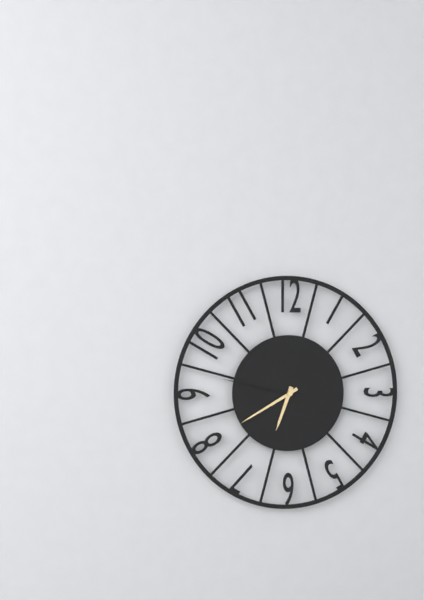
h=6 m=40 s=47
